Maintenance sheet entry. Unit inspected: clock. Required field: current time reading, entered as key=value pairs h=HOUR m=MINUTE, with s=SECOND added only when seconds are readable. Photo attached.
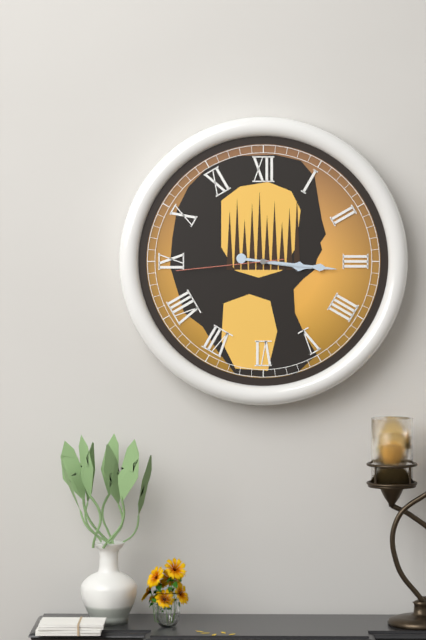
h=3 m=16 s=44
